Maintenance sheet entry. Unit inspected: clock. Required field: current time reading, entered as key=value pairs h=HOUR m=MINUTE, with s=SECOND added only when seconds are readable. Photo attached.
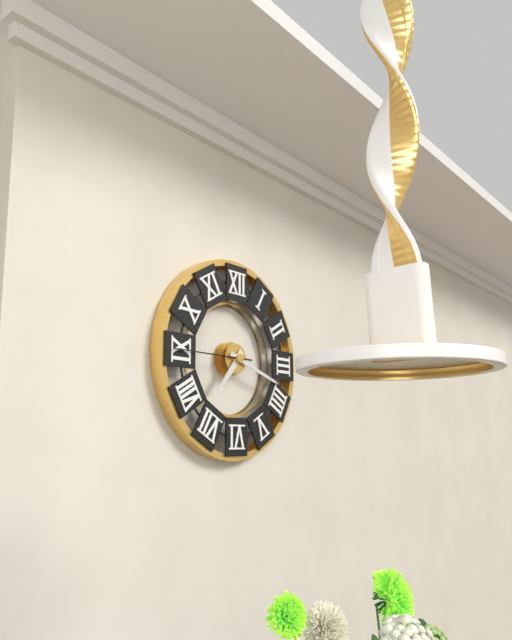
h=7 m=18 s=45
